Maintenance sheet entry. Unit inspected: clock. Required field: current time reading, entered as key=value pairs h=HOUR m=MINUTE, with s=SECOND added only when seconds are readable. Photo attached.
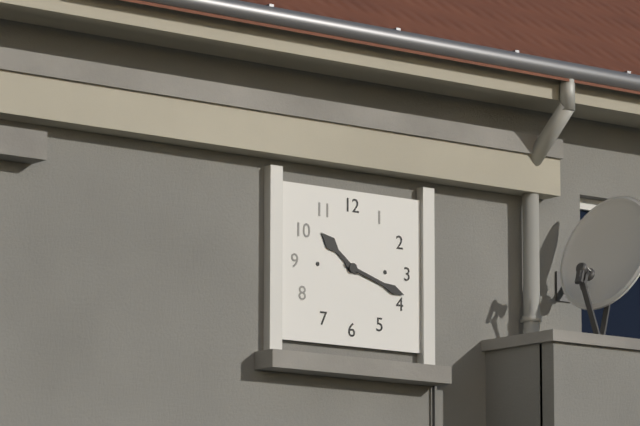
h=10 m=18
